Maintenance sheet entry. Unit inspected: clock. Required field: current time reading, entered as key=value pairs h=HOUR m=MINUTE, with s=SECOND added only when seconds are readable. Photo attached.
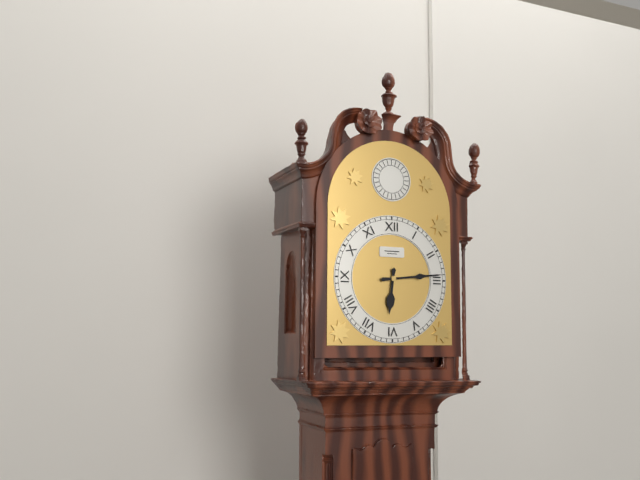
h=6 m=14
